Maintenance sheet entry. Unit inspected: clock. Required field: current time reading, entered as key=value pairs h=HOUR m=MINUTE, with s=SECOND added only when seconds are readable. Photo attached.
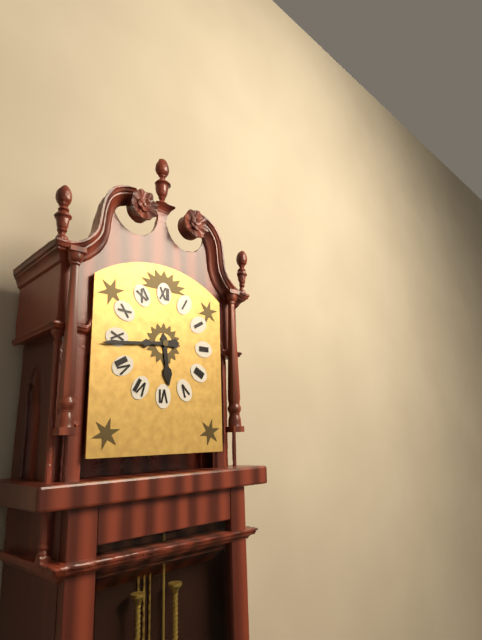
h=5 m=44
